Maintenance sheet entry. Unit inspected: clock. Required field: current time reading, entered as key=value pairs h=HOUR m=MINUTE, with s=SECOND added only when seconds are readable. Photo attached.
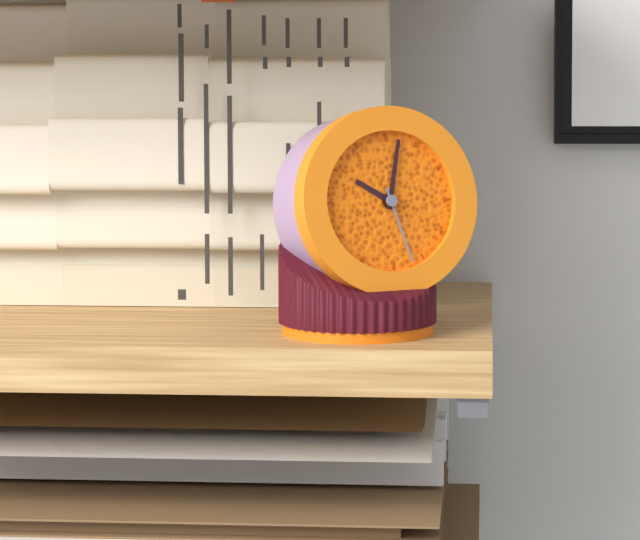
h=10 m=2 s=27
